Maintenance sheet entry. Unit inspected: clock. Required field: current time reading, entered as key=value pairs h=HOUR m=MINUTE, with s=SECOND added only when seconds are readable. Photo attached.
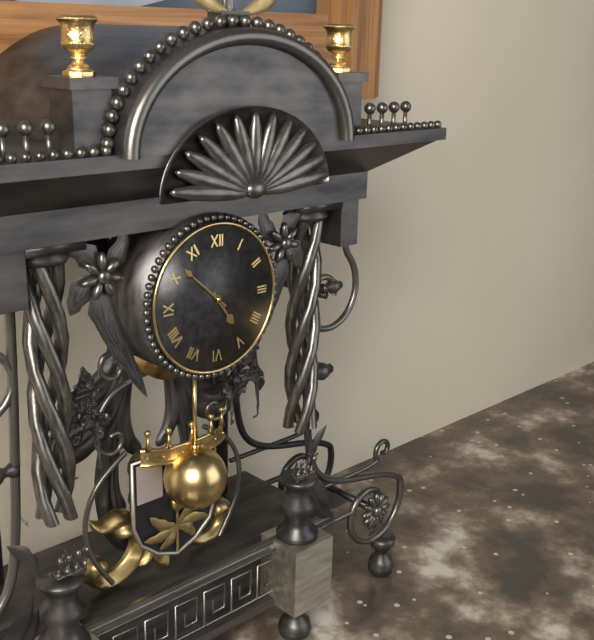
h=4 m=52
